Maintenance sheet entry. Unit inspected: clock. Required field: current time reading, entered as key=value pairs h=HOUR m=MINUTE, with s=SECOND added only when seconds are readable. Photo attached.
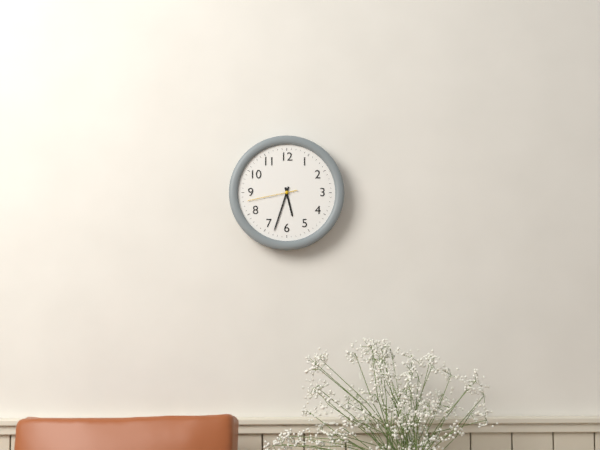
h=5 m=33 s=43
